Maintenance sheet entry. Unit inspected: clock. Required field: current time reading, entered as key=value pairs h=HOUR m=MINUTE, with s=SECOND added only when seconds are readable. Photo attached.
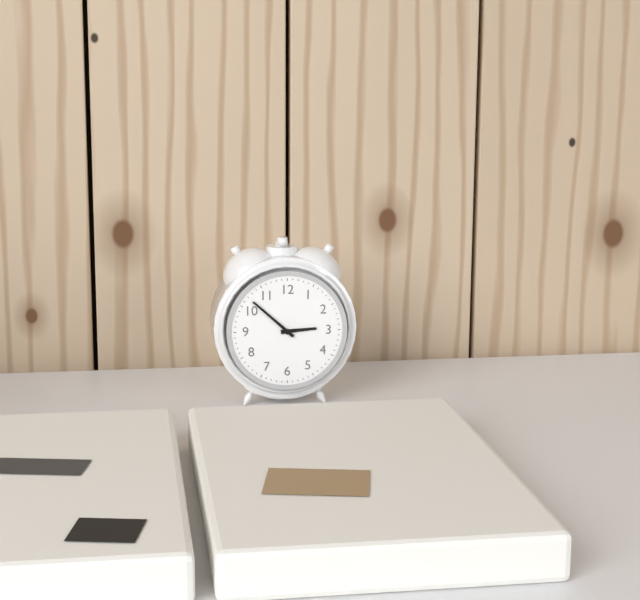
h=2 m=52
